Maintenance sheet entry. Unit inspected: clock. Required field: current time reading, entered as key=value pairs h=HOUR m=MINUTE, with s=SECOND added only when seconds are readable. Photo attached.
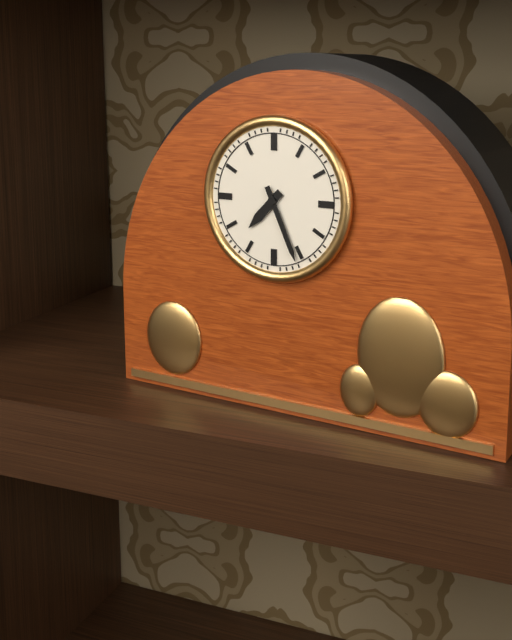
h=7 m=26
